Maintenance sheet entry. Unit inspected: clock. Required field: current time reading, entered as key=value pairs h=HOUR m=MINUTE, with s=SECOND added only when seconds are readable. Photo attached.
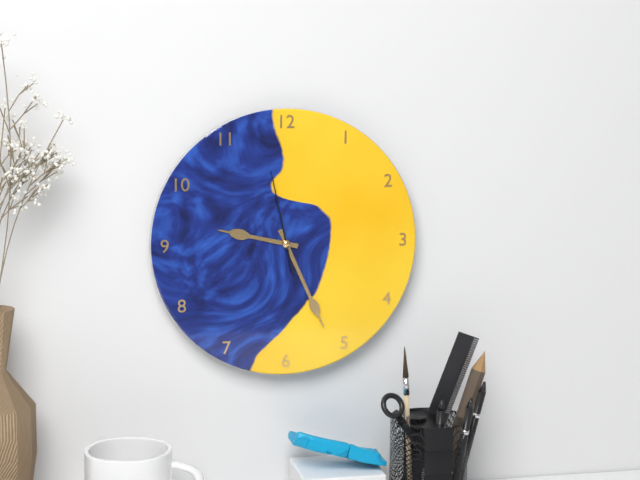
h=9 m=26 s=58
